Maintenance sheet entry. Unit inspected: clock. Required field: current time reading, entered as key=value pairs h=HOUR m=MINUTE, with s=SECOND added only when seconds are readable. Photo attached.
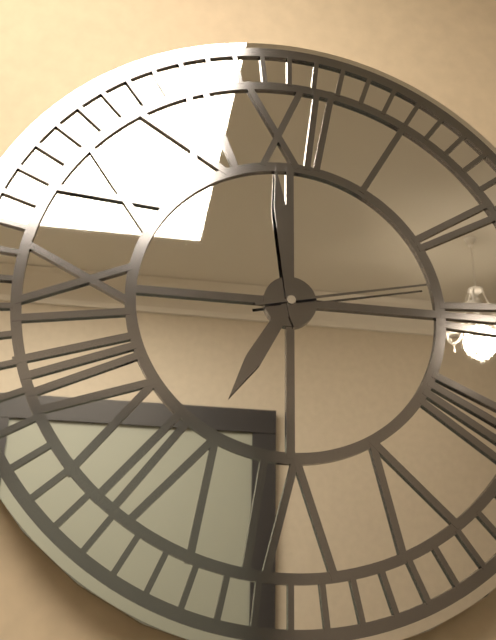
h=6 m=59 s=13
